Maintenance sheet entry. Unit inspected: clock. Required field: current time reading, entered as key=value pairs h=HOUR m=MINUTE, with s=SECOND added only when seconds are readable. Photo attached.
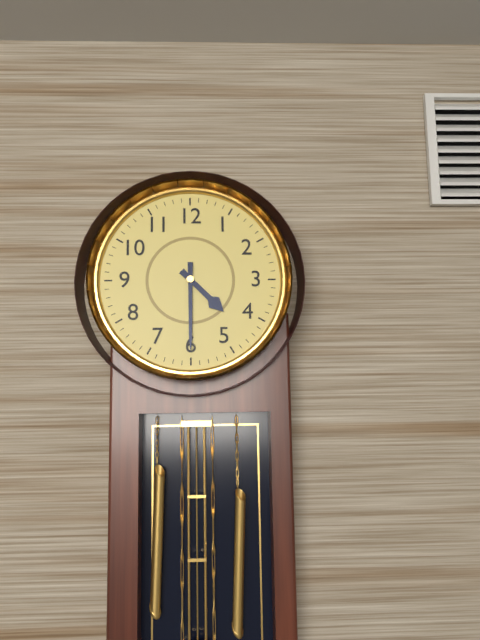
h=4 m=30
